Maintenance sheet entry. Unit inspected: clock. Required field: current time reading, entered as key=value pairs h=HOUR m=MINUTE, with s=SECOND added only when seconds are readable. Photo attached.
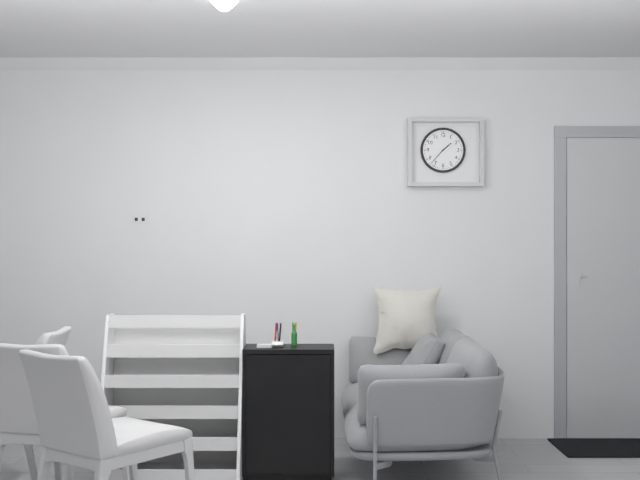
h=1 m=37
